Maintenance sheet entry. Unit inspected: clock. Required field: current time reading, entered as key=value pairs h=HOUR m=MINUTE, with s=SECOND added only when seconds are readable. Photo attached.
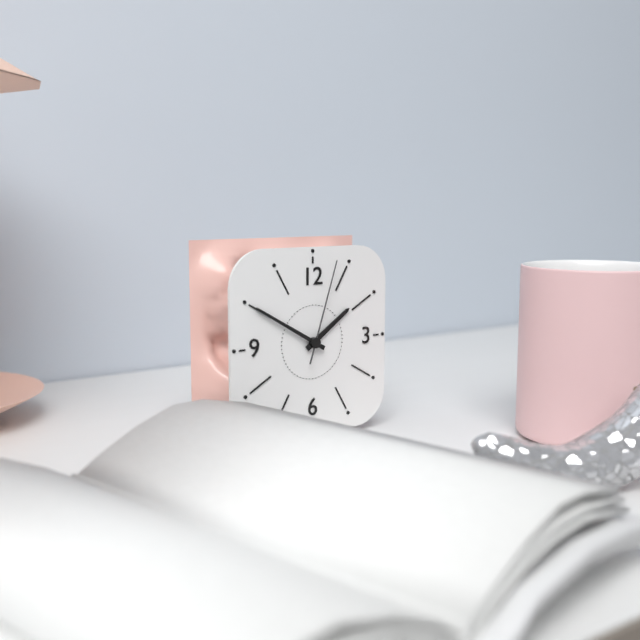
h=1 m=50 s=3
